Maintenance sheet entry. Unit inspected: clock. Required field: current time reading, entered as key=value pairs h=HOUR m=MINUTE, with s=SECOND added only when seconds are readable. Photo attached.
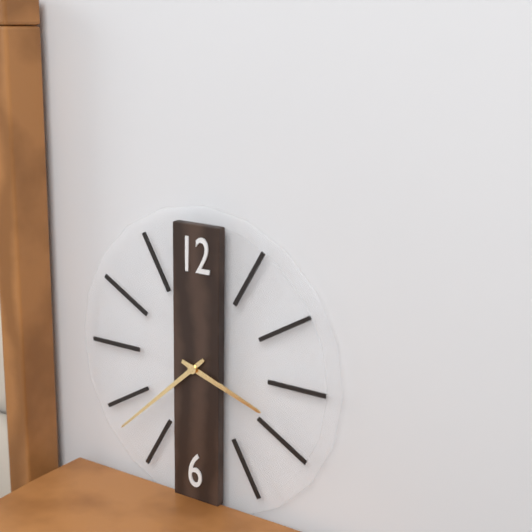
h=3 m=38
